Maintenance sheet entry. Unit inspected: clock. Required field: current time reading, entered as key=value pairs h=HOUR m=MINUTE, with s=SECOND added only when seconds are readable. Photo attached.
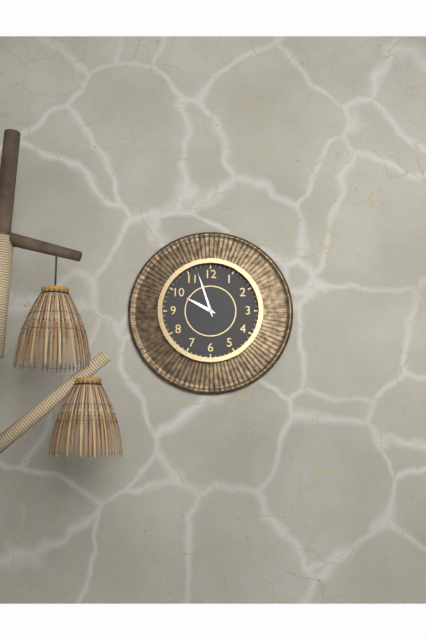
h=9 m=57
